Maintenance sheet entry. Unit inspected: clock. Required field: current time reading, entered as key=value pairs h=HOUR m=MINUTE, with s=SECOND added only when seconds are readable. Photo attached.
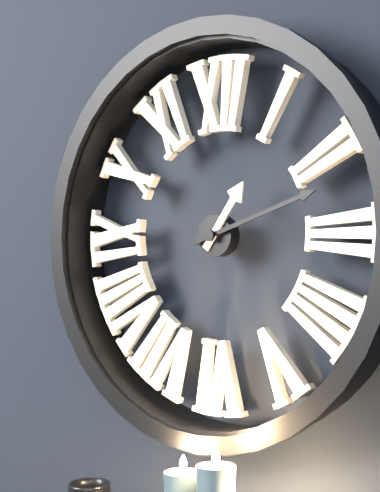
h=1 m=12
